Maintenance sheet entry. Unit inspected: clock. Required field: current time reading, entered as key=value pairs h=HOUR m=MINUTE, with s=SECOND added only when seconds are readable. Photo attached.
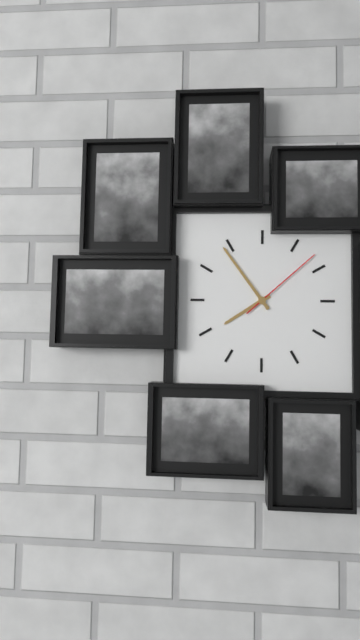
h=7 m=54 s=8
